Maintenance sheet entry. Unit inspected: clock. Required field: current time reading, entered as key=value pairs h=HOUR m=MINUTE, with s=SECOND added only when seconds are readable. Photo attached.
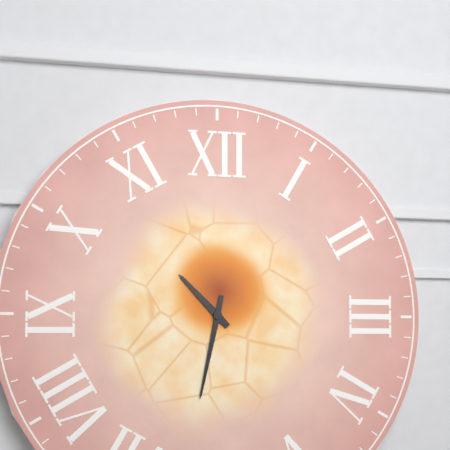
h=10 m=32
